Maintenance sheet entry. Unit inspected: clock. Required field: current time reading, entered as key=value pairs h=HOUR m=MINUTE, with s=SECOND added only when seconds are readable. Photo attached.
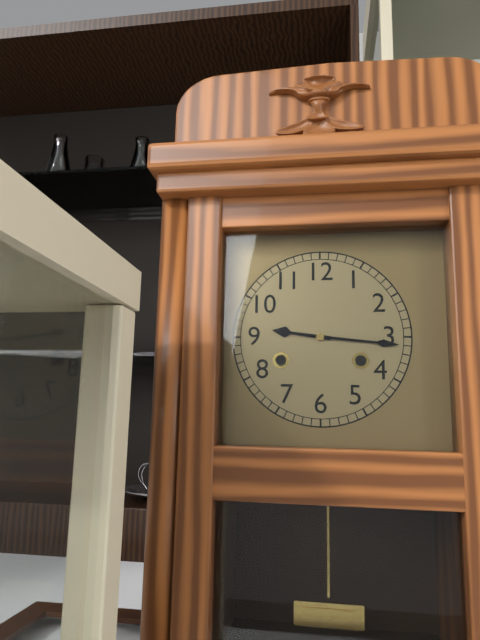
h=9 m=16
